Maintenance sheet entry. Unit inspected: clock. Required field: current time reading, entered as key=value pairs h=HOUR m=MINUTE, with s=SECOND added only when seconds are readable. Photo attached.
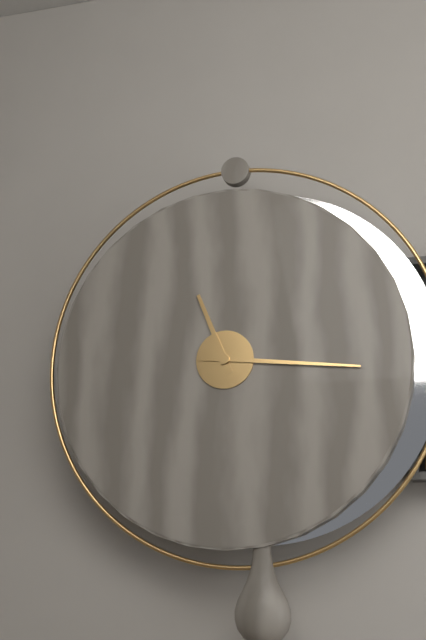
h=11 m=16
